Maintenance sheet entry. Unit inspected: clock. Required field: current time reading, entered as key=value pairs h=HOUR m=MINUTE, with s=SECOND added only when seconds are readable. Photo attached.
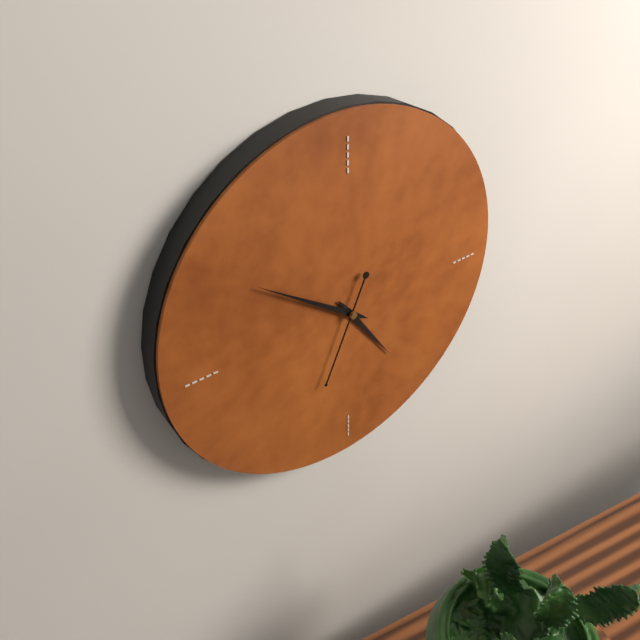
h=4 m=51 s=34
